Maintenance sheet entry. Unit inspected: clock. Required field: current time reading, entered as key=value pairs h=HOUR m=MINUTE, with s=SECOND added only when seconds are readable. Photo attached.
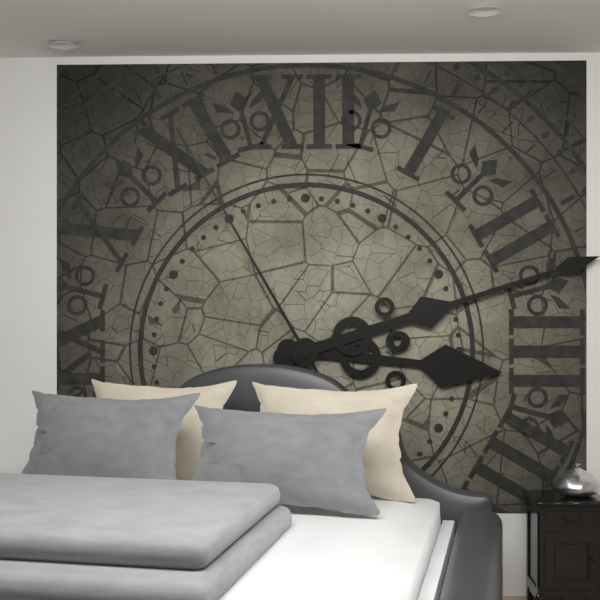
h=3 m=12 s=55
